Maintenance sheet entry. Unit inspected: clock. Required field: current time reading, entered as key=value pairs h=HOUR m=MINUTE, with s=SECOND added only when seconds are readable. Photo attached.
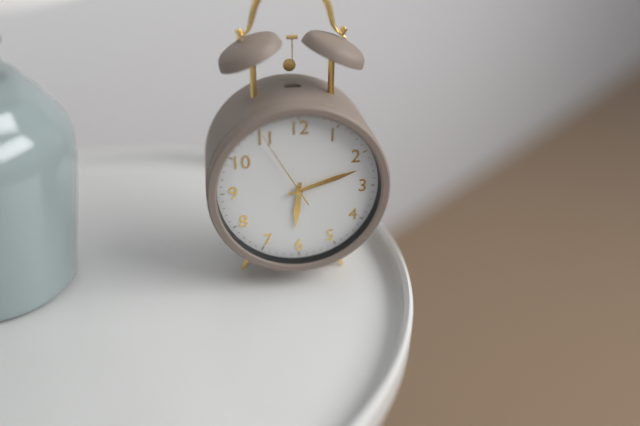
h=6 m=12 s=55
